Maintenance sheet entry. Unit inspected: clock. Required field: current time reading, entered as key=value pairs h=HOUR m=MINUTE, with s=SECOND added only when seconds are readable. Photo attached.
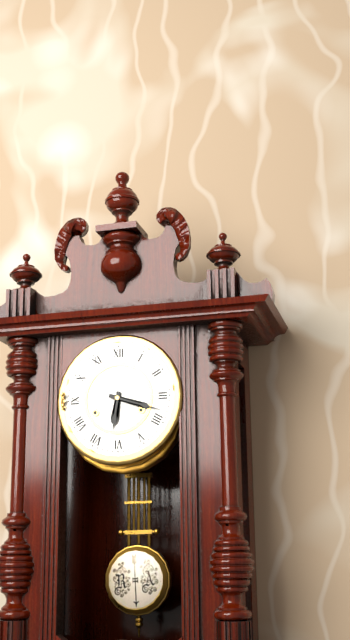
h=6 m=18
